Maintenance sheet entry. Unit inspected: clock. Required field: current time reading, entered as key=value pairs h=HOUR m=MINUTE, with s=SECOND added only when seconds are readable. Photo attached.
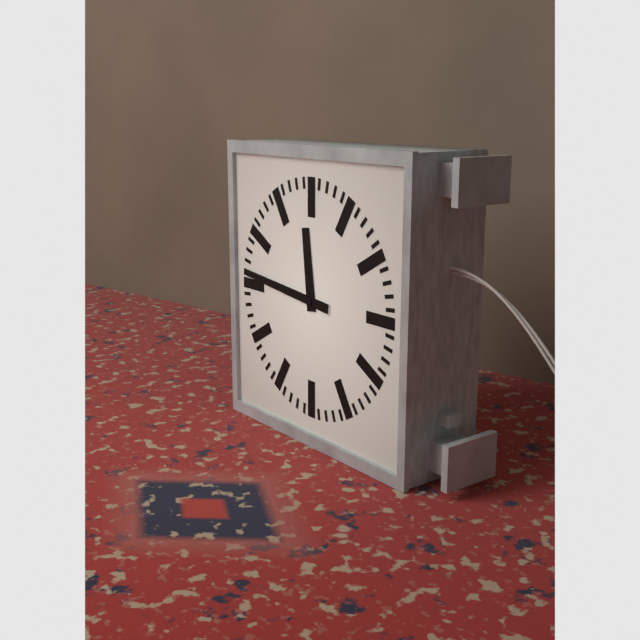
h=11 m=46
